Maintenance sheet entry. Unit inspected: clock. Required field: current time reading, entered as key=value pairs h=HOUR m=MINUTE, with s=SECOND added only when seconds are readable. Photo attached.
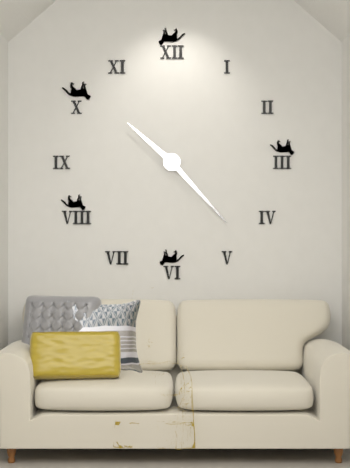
h=10 m=23
